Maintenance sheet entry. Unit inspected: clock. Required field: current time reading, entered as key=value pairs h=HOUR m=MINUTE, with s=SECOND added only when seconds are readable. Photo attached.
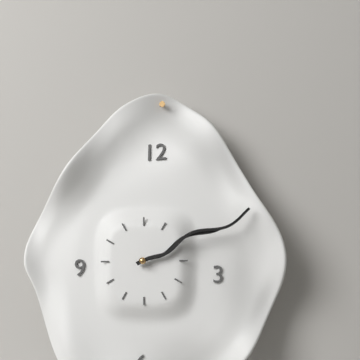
h=2 m=11
